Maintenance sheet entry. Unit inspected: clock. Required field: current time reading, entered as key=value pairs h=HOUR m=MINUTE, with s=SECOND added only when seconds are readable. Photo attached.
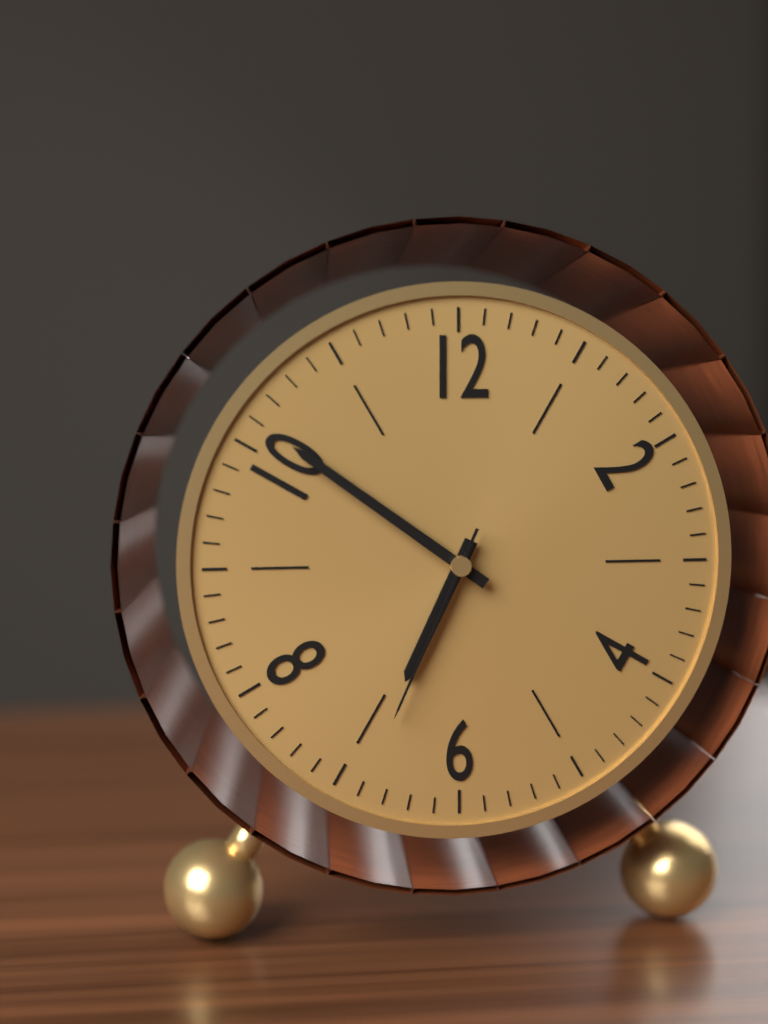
h=6 m=51 s=34
